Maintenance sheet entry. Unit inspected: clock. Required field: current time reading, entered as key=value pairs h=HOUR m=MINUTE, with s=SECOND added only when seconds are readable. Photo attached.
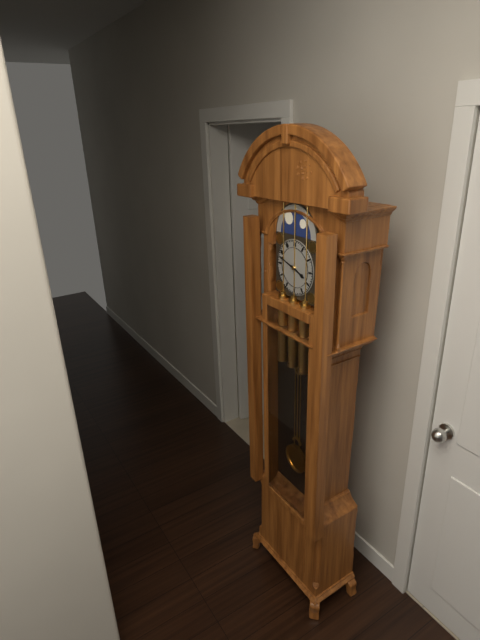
h=3 m=48
